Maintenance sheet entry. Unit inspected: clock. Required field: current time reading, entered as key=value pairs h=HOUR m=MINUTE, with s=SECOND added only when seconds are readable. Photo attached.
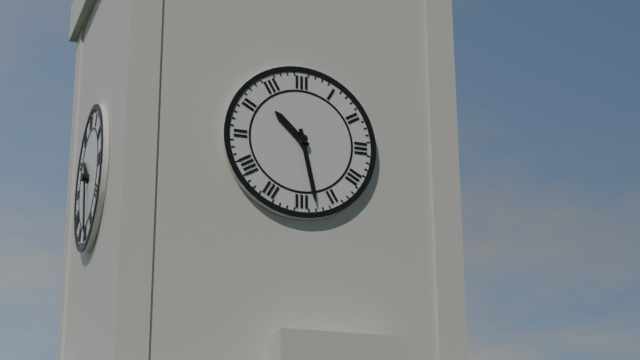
h=10 m=28
